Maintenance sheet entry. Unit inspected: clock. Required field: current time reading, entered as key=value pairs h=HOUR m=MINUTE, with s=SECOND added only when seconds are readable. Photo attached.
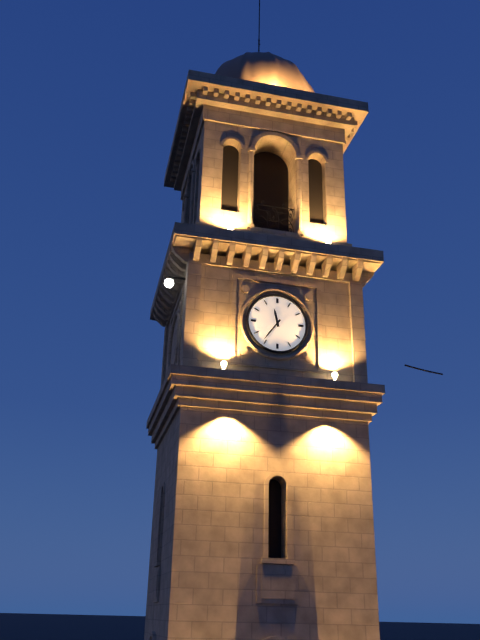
h=11 m=36
